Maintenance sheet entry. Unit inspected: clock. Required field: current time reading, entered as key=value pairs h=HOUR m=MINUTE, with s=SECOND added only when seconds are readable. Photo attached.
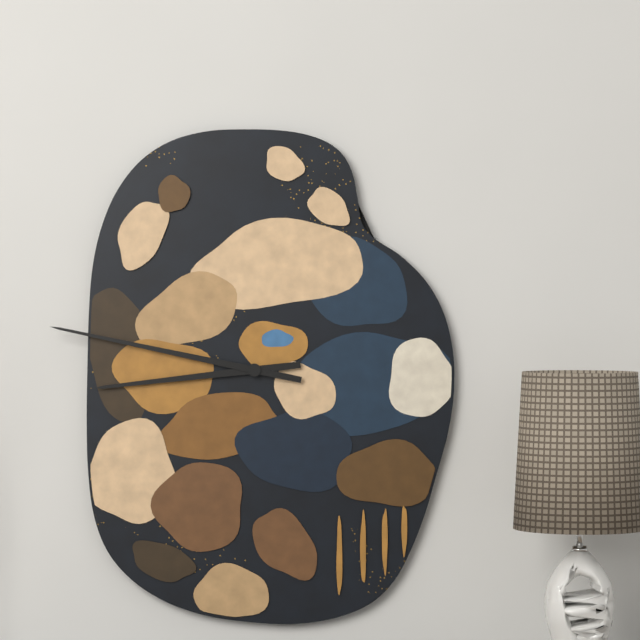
h=8 m=47
